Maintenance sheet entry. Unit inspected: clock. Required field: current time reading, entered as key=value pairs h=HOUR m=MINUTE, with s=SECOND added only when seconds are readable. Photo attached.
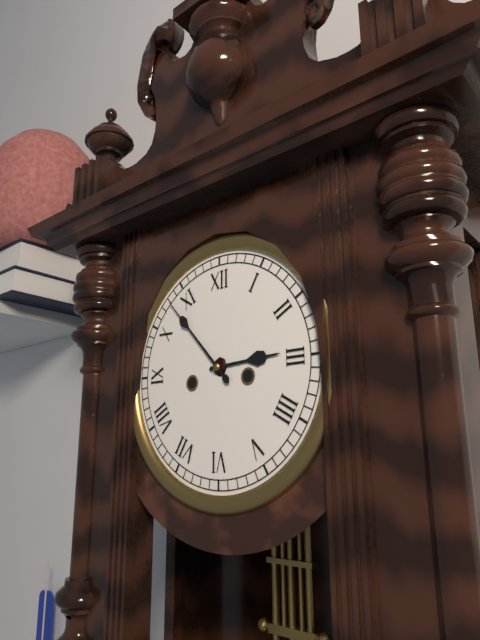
h=2 m=53
